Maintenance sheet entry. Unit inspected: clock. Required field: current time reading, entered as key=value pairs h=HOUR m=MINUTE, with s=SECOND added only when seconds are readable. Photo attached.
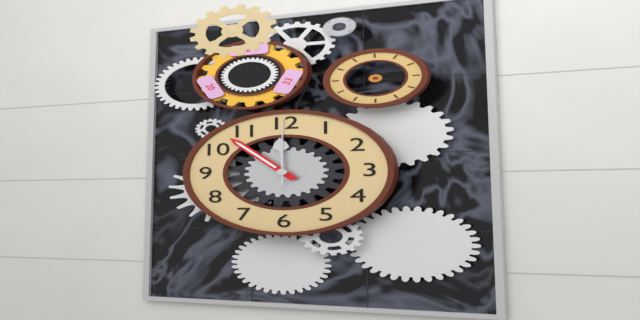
h=11 m=53 s=0
